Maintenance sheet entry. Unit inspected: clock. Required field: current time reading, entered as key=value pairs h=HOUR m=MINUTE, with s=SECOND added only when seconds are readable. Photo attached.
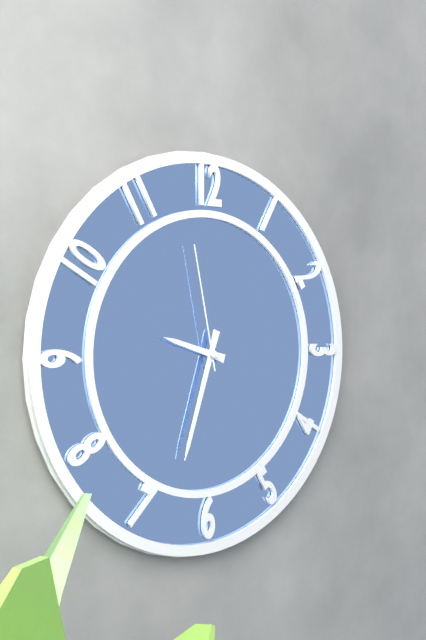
h=9 m=33 s=58
